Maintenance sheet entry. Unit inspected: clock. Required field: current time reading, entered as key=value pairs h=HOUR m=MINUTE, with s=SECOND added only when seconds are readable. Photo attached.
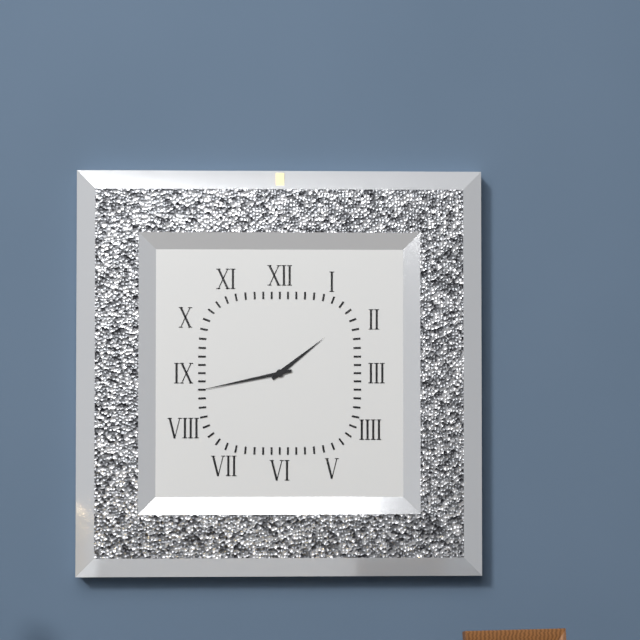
h=1 m=43
